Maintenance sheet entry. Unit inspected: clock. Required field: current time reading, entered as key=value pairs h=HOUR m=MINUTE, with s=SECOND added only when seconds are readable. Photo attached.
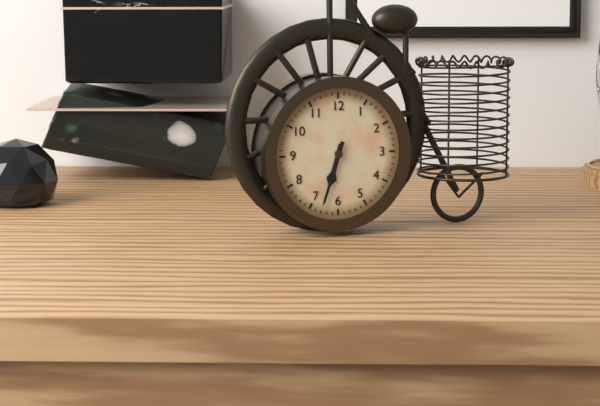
h=6 m=33
